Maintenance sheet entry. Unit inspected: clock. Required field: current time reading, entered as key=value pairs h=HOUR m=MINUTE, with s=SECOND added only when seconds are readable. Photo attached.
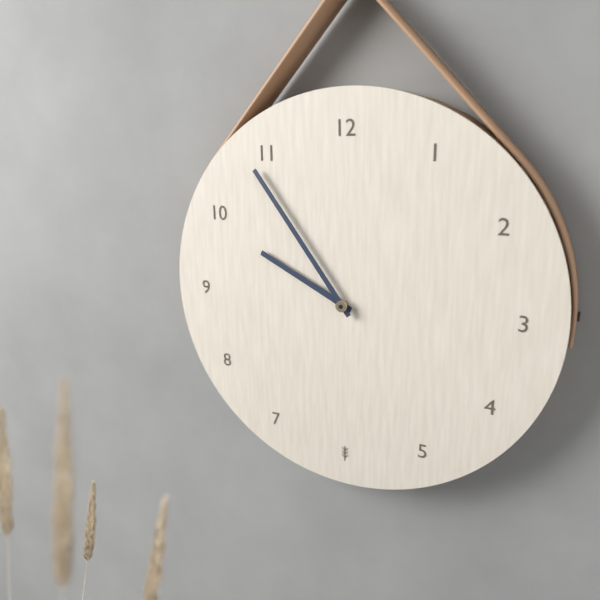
h=9 m=54
